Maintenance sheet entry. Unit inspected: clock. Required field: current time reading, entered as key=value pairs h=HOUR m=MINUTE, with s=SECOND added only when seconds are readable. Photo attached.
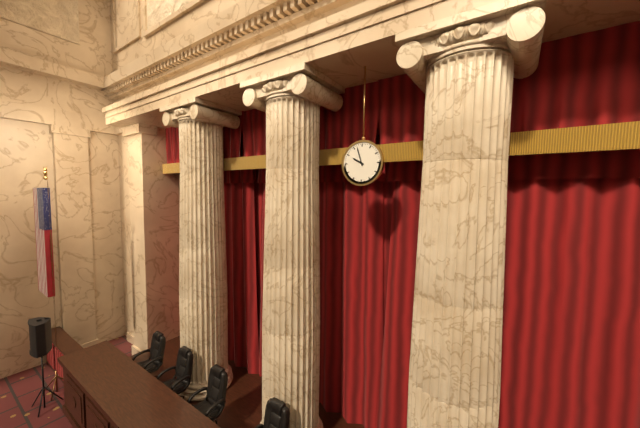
h=9 m=57
